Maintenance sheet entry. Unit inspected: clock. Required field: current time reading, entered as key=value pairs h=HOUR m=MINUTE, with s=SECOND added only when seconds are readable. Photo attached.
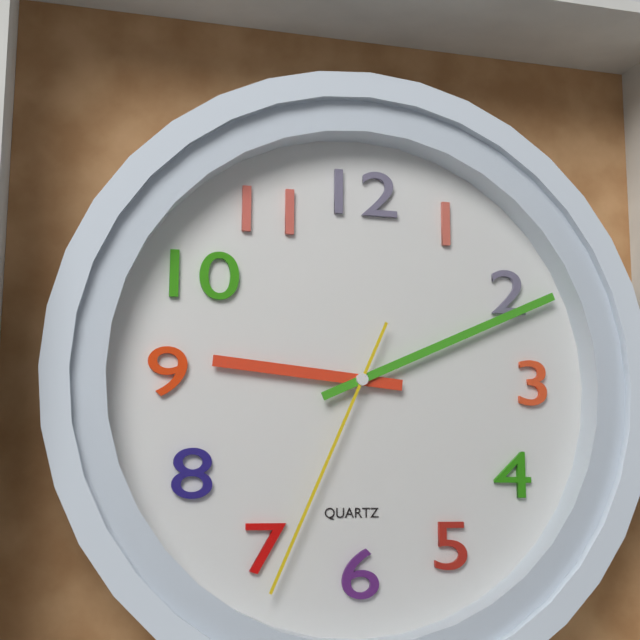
h=9 m=11 s=34
